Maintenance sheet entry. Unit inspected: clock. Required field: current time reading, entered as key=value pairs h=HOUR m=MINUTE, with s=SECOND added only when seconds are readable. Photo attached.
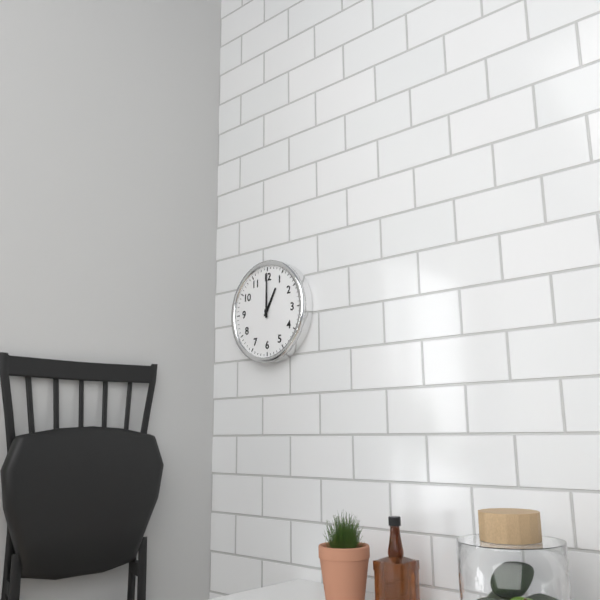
h=1 m=0
